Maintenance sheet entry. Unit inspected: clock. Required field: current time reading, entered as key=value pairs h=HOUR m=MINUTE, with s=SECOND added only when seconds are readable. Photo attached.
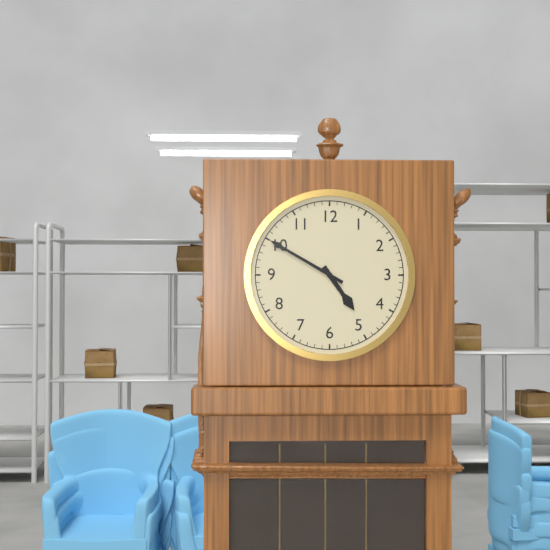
h=4 m=50
